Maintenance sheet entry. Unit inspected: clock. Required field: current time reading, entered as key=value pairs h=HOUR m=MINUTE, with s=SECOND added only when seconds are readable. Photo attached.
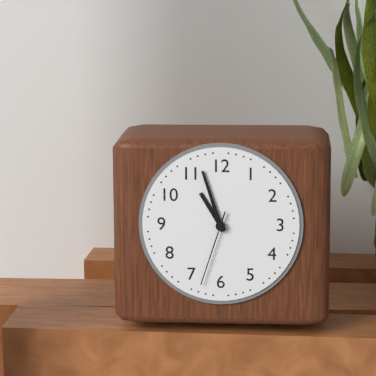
h=10 m=57 s=33
